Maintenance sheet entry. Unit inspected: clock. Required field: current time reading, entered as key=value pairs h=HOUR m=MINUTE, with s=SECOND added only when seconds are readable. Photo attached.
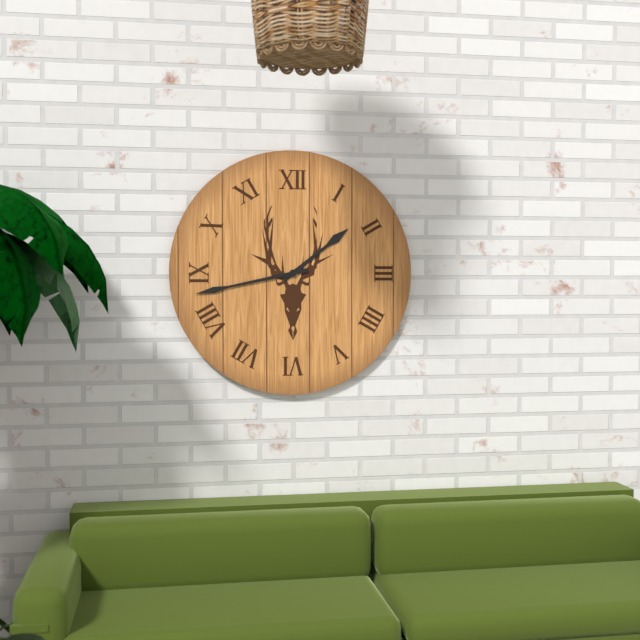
h=1 m=43
